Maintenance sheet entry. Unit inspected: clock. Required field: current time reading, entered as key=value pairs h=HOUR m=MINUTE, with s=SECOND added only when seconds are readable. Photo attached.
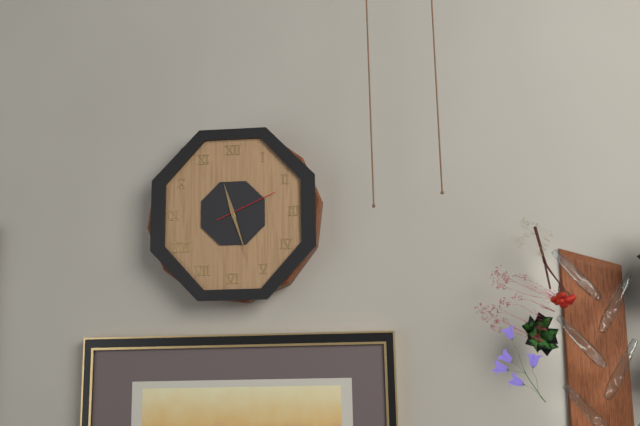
h=11 m=27 s=11
